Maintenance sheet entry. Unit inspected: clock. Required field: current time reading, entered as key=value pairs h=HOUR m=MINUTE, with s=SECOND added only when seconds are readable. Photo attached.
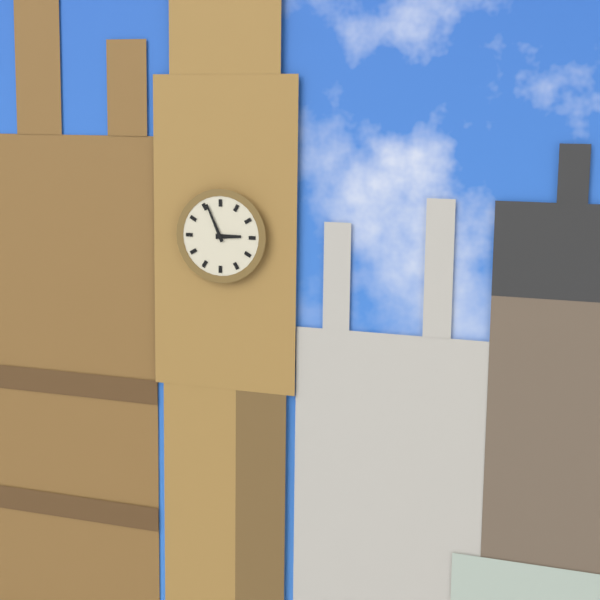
h=2 m=56
